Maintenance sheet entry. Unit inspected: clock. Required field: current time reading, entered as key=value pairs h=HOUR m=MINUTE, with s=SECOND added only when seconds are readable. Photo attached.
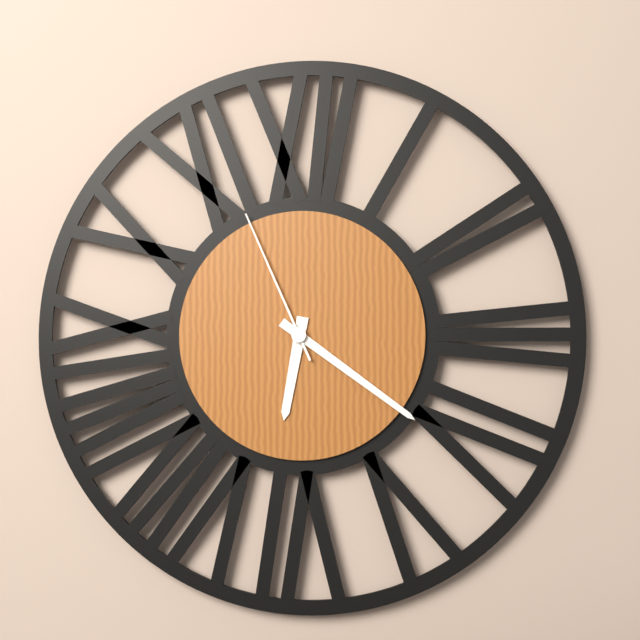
h=6 m=21 s=56
